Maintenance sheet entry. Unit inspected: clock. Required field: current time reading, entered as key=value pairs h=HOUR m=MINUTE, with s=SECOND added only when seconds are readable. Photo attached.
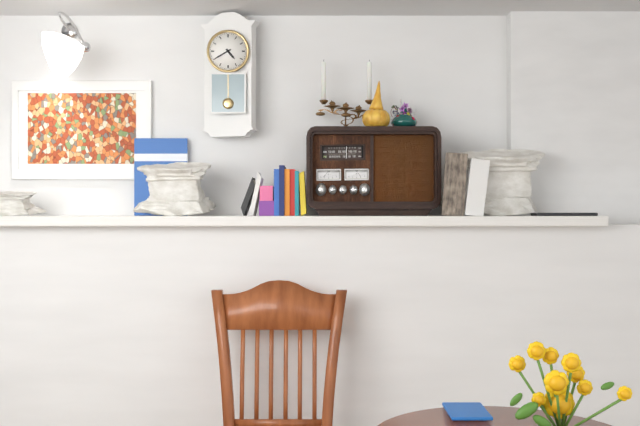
h=4 m=40
